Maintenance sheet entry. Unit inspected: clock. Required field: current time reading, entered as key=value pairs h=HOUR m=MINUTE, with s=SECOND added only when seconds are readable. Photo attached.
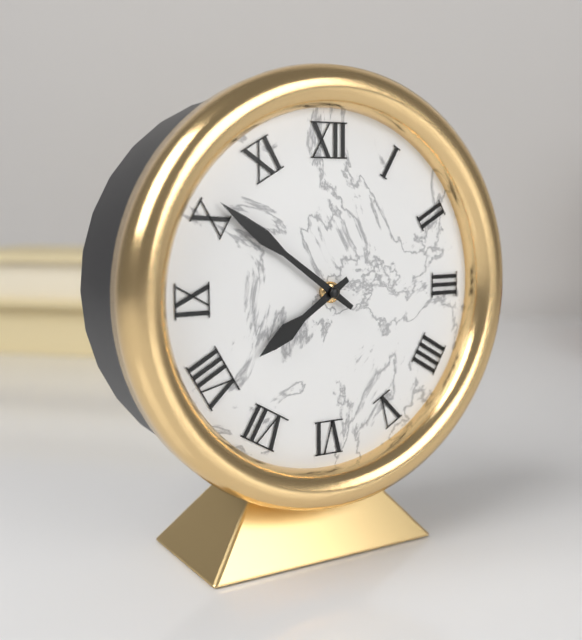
h=7 m=51
